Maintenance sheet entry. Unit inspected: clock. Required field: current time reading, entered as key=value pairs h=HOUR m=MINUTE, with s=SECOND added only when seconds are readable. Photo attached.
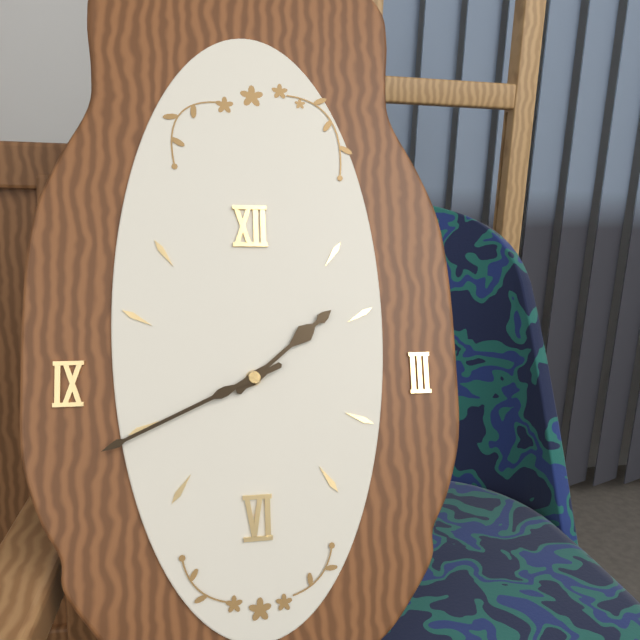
h=1 m=41
